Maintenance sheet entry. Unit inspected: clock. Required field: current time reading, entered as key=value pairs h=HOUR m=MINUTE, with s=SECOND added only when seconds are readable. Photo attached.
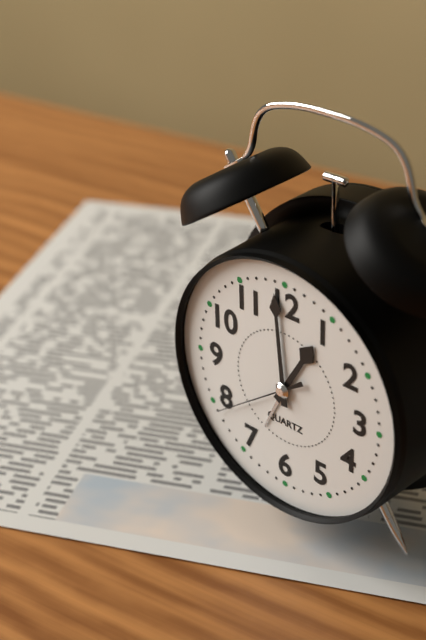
h=12 m=59 s=39
